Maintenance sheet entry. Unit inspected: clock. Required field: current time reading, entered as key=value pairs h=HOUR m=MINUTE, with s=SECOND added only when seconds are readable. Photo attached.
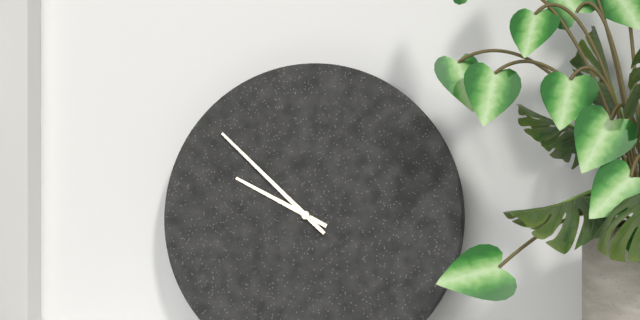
h=9 m=52
